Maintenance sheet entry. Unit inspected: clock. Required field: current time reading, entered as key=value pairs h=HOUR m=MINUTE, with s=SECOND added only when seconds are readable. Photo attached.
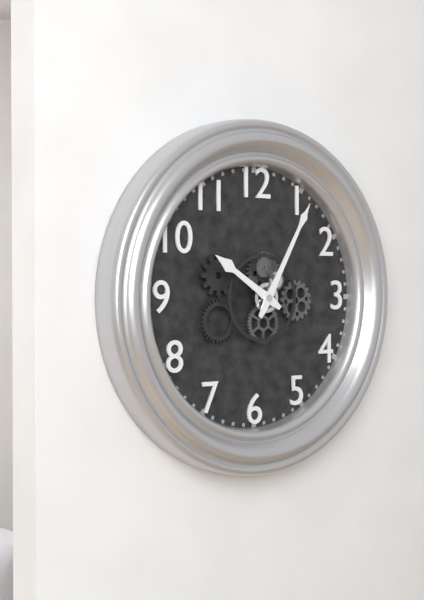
h=10 m=5
